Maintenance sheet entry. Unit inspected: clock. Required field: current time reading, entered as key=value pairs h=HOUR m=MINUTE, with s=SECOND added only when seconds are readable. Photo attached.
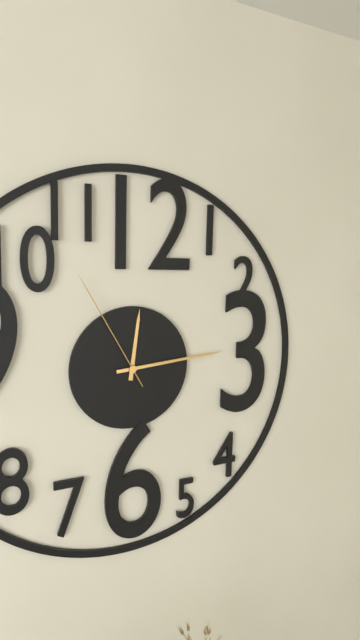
h=12 m=14 s=55
